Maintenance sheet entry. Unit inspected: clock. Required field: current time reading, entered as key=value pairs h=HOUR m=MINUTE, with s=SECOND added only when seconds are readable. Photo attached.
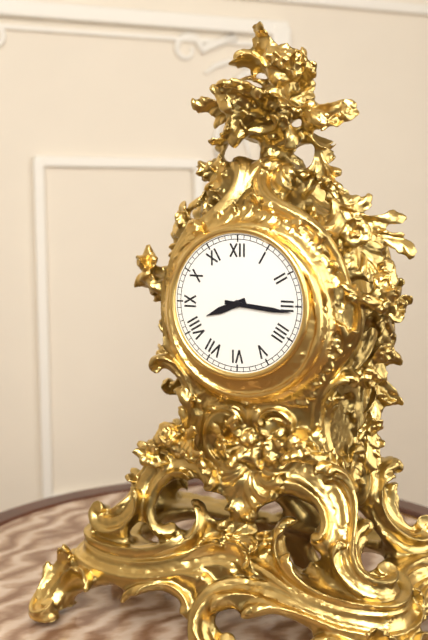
h=8 m=16
